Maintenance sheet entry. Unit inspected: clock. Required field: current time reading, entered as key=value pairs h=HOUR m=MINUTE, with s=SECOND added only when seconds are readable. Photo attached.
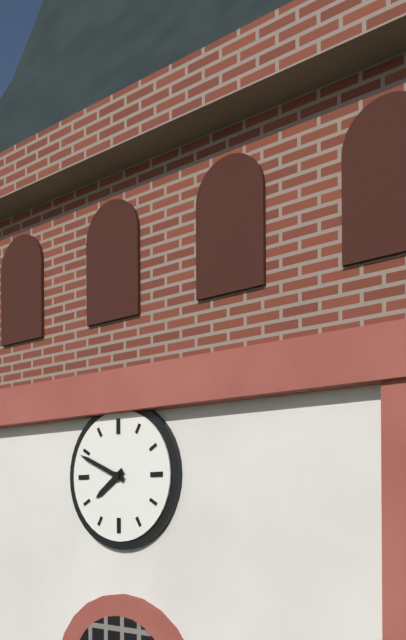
h=7 m=49
